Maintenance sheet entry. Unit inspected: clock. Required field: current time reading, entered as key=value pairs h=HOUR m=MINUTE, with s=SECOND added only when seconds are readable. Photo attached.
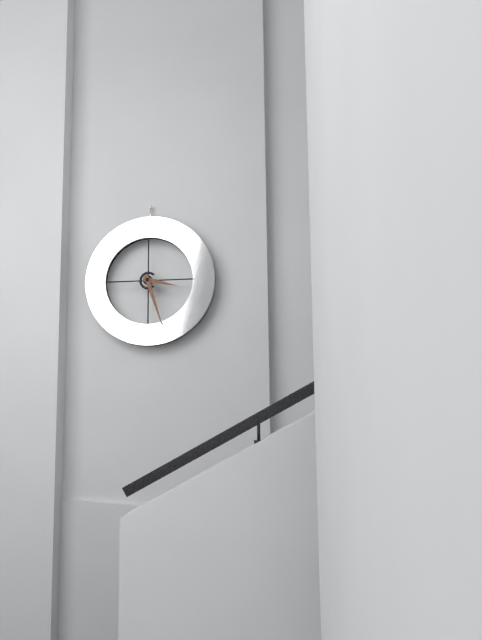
h=3 m=27
